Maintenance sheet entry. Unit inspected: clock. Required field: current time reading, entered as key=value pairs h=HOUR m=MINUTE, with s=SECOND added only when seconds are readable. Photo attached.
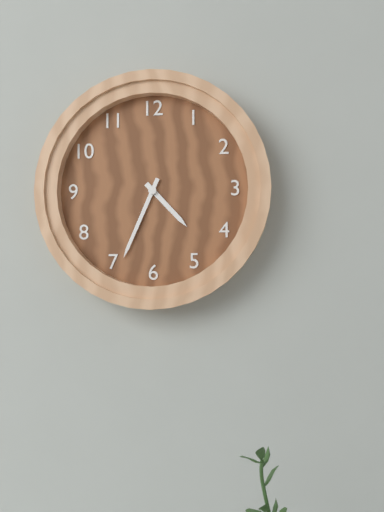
h=4 m=34
